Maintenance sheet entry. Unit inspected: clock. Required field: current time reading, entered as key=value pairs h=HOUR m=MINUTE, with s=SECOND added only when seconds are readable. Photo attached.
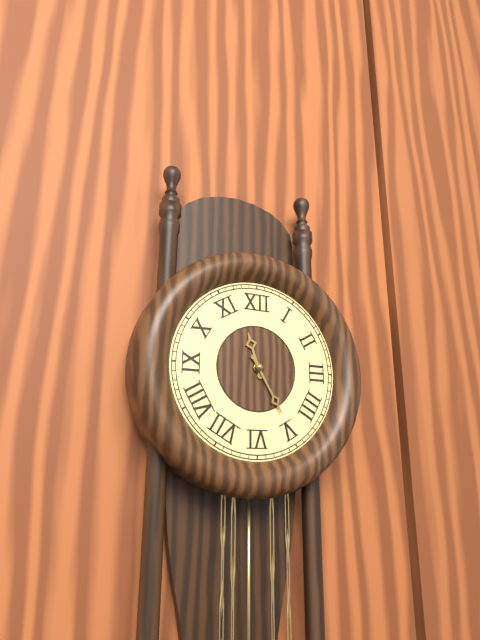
h=11 m=25
